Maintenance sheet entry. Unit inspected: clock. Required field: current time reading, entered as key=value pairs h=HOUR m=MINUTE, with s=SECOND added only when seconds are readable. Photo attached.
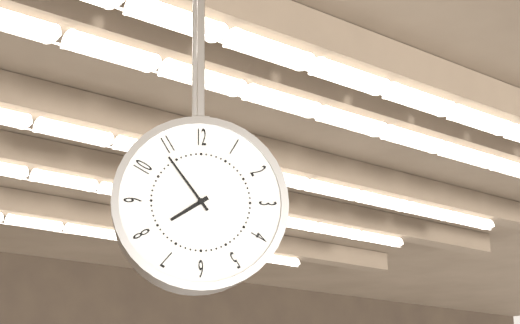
h=7 m=54
